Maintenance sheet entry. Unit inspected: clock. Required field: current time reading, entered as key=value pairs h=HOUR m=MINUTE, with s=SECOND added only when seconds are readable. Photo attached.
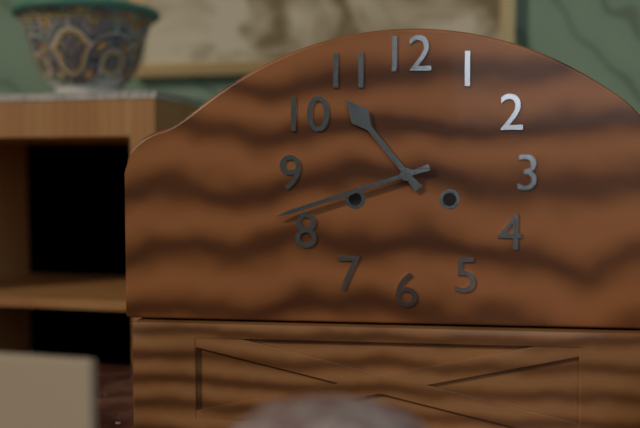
h=10 m=42
